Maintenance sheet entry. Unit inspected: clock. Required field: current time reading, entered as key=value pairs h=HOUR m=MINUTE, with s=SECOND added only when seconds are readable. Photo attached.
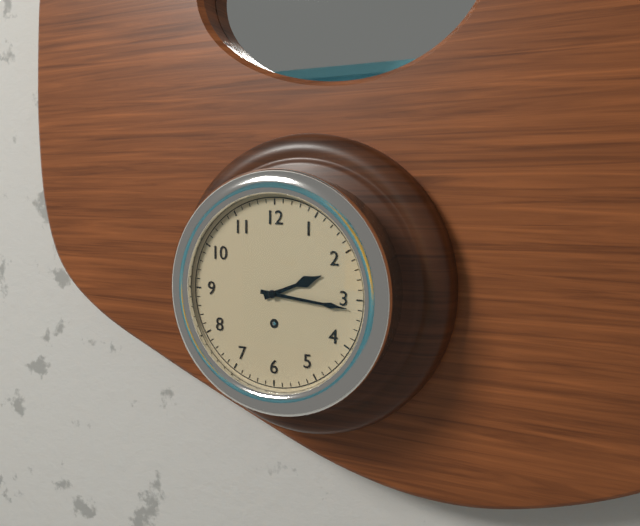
h=2 m=16
